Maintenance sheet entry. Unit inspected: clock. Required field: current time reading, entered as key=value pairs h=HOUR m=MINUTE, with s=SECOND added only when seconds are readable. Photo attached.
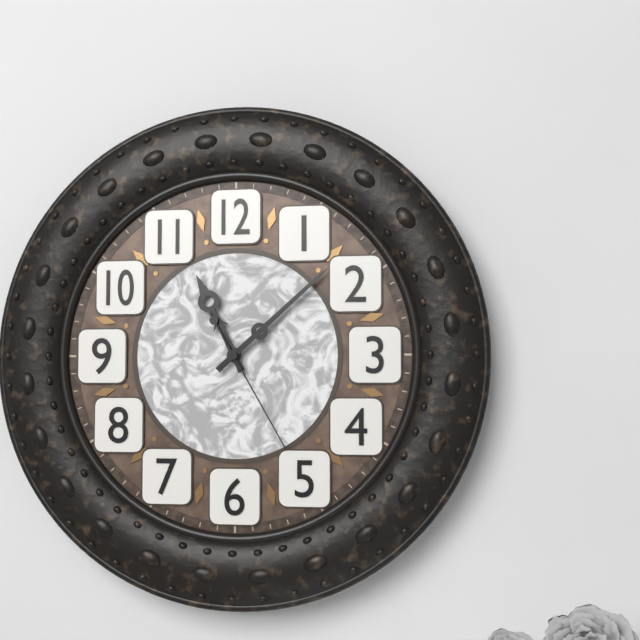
h=11 m=8 s=25
